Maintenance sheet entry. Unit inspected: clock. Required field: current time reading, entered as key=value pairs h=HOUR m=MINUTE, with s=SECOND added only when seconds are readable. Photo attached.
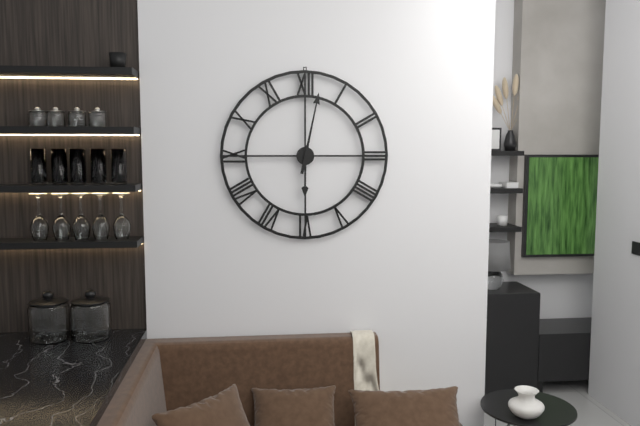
h=6 m=2
